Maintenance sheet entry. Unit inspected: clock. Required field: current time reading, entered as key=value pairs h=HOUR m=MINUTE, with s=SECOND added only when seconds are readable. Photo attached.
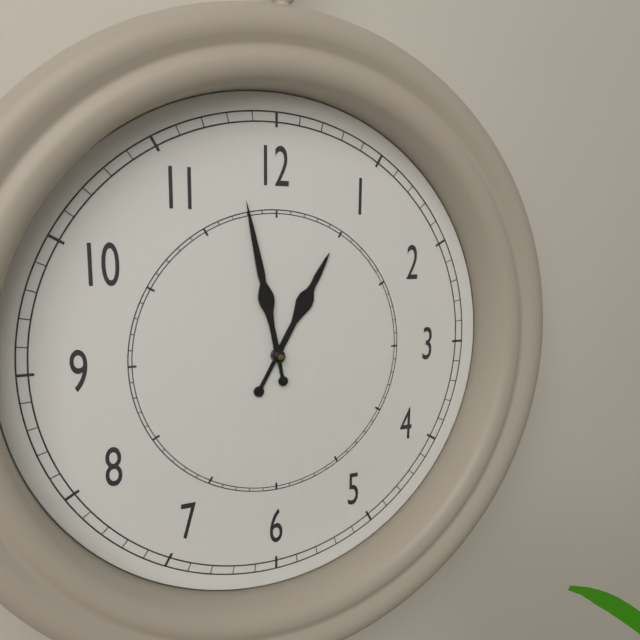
h=12 m=58
